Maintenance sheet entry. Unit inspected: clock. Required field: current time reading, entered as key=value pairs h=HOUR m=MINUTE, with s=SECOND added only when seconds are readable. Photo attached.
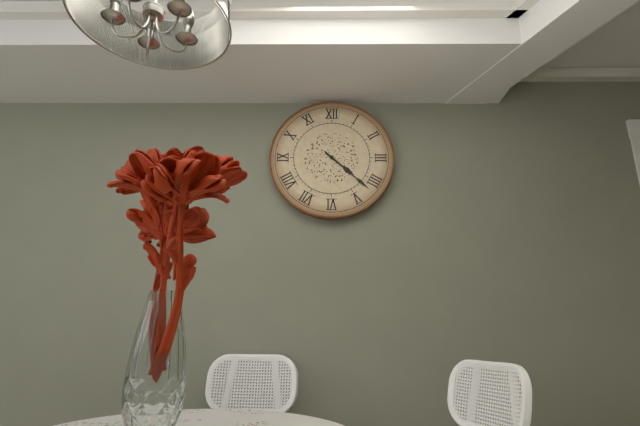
h=4 m=22
